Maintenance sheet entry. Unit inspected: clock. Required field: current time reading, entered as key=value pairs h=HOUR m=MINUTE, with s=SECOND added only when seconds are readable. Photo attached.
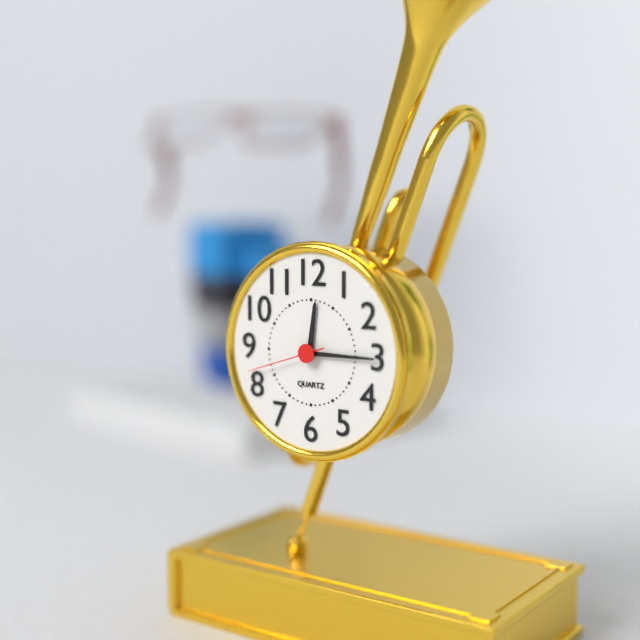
h=12 m=15 s=42
